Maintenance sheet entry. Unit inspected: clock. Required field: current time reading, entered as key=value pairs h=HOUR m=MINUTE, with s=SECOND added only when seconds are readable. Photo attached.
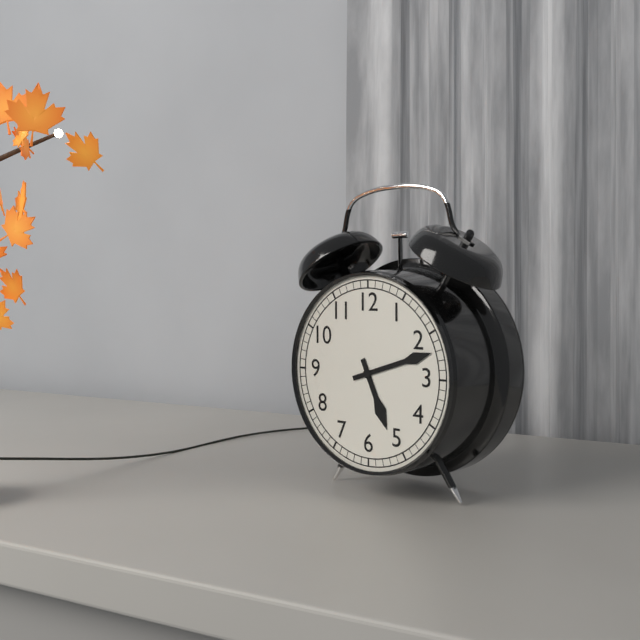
h=5 m=12
